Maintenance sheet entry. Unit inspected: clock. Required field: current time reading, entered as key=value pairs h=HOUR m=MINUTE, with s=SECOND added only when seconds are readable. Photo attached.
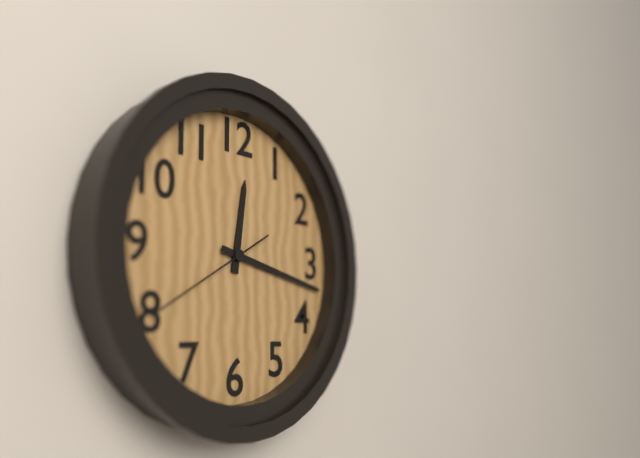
h=12 m=17 s=40
